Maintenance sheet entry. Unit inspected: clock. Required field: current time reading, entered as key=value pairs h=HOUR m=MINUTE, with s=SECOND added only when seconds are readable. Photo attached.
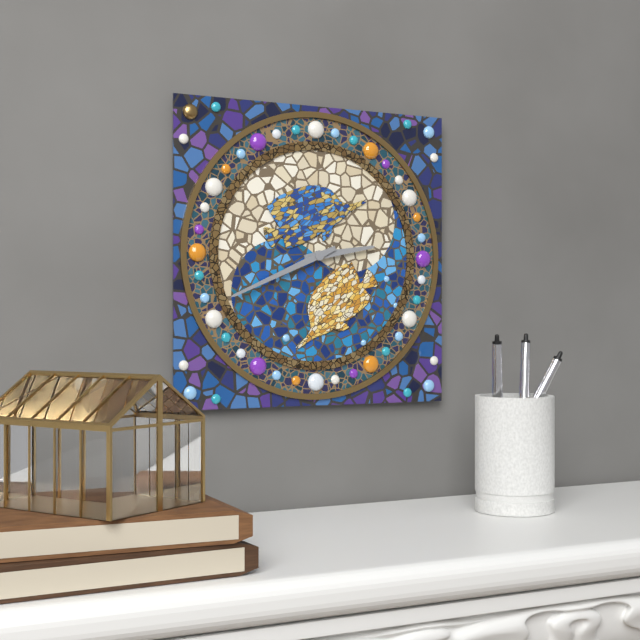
h=2 m=41
